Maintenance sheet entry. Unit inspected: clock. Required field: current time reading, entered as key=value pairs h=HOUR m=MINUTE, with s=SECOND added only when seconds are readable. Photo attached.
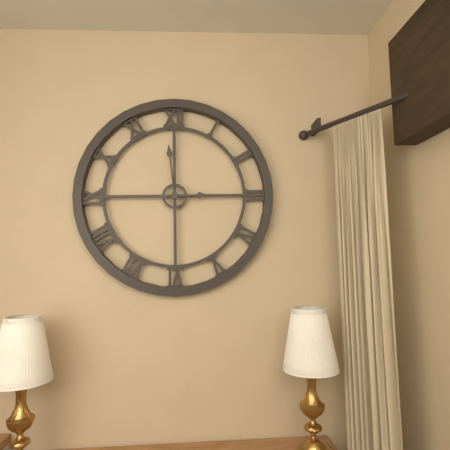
h=2 m=59
